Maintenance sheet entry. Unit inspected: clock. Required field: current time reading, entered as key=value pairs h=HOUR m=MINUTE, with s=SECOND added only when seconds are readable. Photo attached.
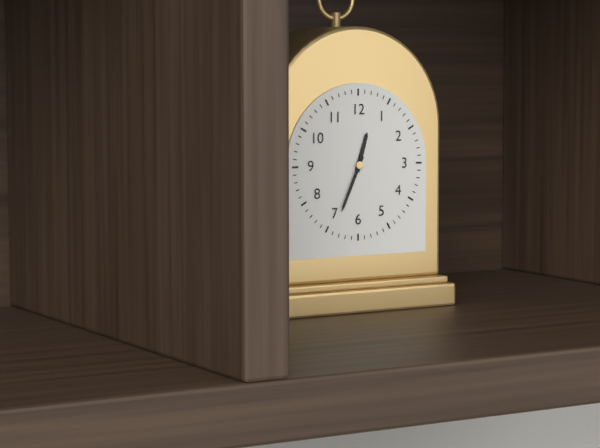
h=12 m=34
